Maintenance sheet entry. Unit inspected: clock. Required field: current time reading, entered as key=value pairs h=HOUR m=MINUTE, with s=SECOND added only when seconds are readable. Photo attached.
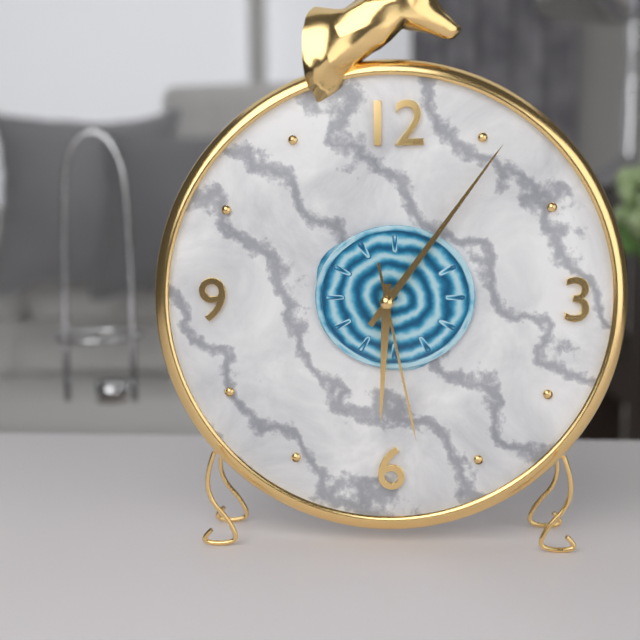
h=6 m=6 s=28
